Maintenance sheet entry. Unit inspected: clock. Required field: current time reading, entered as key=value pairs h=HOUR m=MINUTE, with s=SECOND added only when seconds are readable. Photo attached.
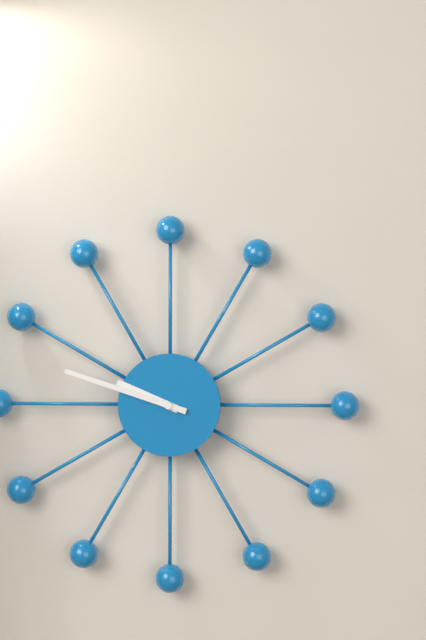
h=9 m=48
